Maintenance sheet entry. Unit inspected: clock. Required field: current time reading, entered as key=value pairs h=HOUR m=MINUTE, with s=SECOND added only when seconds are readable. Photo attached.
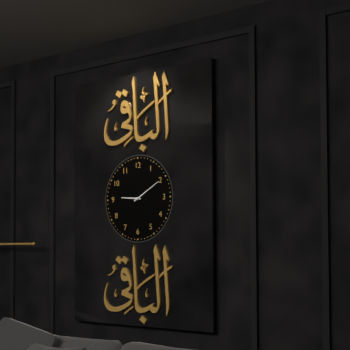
h=9 m=10
